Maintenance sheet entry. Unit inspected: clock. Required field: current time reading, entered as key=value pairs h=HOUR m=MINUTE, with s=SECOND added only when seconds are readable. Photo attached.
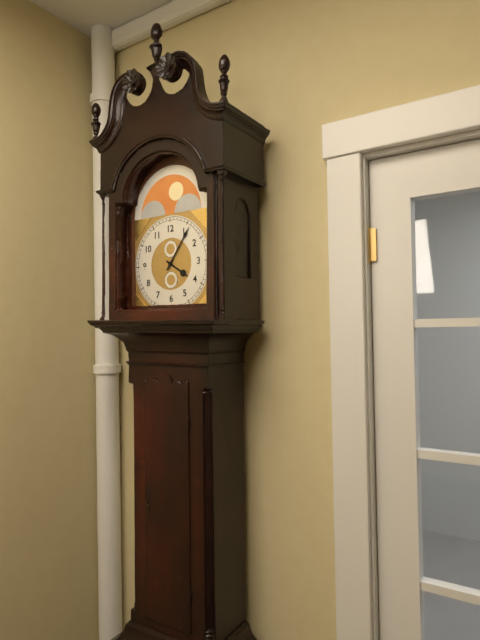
h=4 m=6
